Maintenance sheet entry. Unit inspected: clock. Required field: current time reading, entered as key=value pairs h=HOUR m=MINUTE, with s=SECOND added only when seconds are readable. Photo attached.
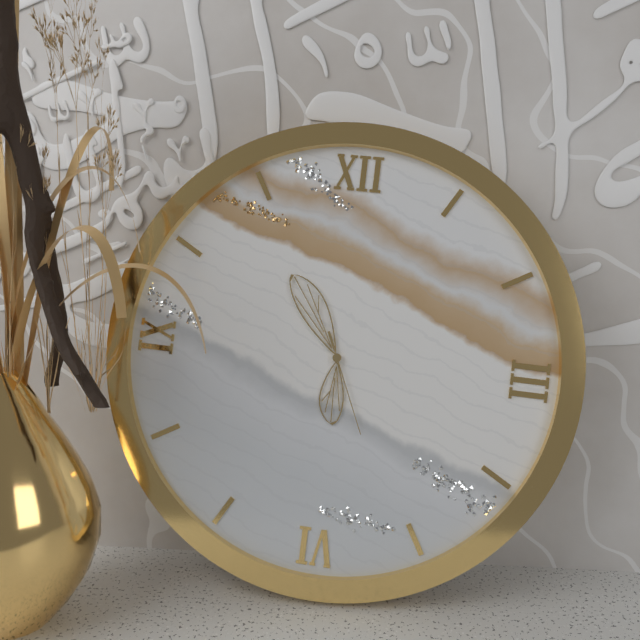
h=5 m=54 s=26
